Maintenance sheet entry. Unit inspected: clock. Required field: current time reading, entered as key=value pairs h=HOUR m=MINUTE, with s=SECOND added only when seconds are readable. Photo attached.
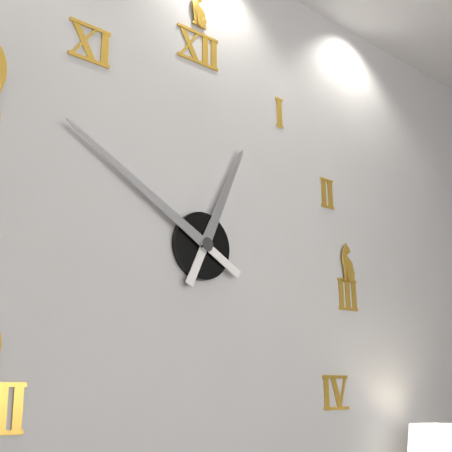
h=12 m=50
